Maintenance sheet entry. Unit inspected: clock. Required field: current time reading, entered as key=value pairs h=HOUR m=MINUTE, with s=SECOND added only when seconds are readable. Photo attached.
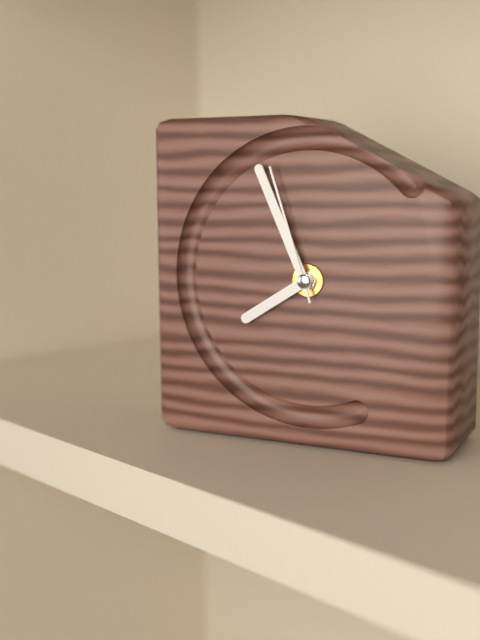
h=7 m=56 s=57
